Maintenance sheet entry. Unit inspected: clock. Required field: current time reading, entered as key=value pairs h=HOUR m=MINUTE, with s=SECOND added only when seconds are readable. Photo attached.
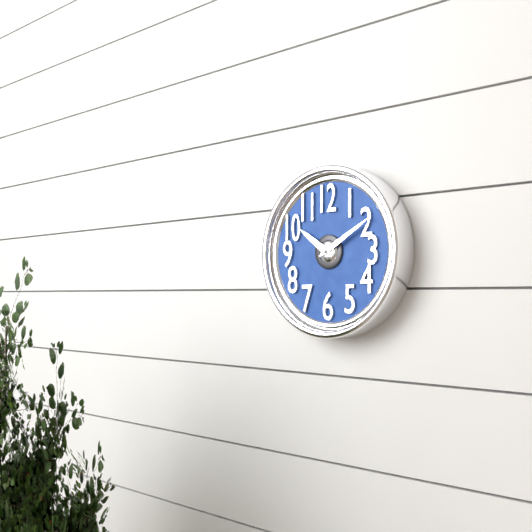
h=10 m=10
